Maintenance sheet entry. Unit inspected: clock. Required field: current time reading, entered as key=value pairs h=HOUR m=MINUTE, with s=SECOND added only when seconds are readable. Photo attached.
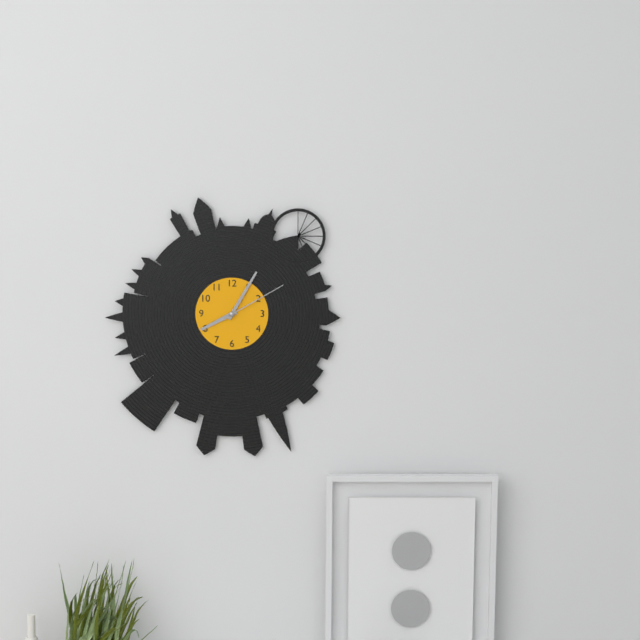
h=8 m=5 s=10
